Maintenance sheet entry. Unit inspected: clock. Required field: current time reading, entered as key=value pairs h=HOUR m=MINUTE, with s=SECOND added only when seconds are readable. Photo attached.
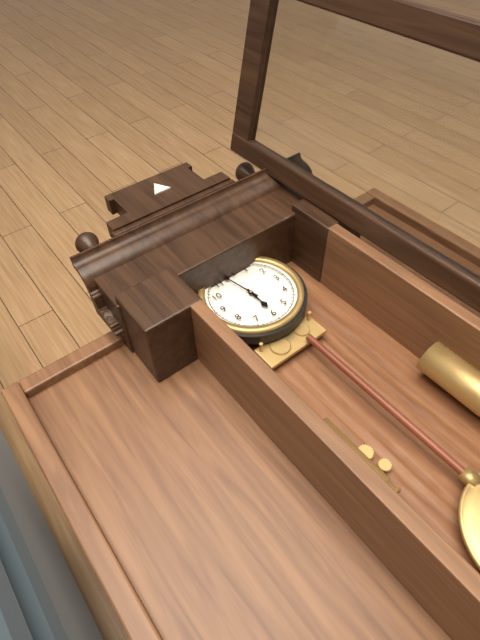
h=5 m=58
